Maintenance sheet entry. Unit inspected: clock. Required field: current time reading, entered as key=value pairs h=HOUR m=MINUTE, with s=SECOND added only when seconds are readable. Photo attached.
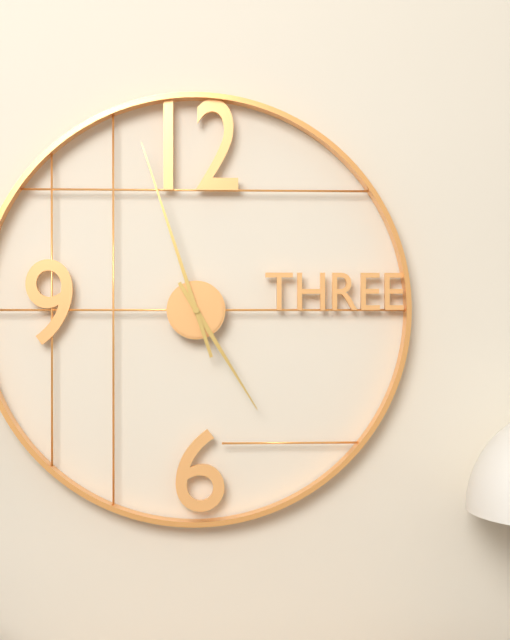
h=4 m=57
